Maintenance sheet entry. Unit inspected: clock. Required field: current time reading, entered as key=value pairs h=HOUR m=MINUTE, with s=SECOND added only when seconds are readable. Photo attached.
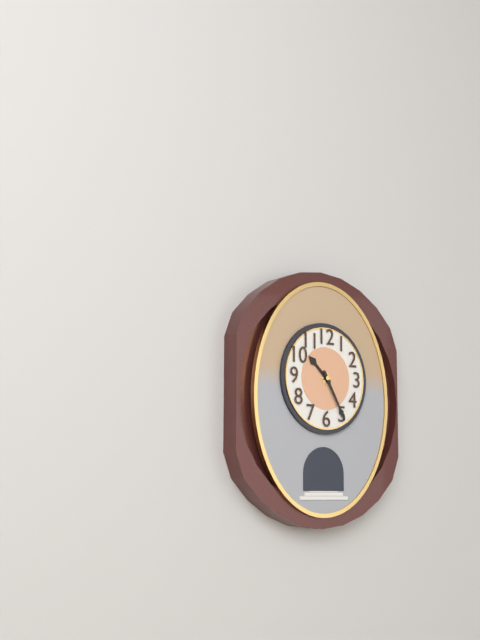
h=10 m=25
